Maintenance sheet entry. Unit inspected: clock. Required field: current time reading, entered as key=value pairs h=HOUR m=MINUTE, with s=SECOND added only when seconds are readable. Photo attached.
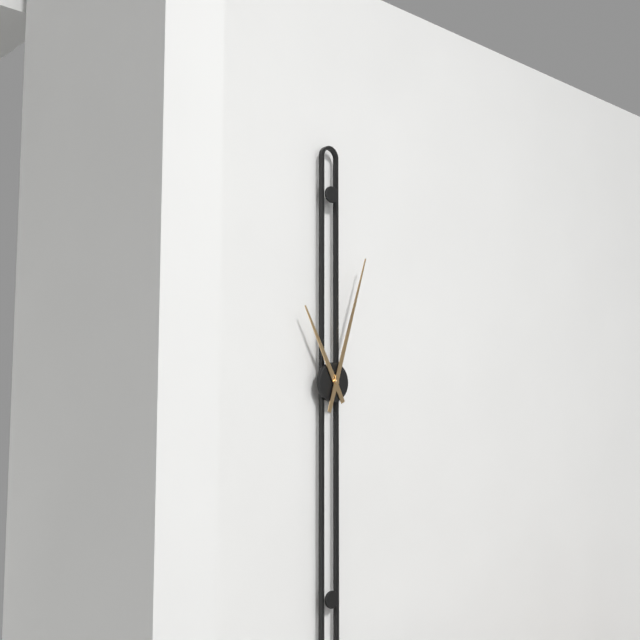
h=11 m=3
